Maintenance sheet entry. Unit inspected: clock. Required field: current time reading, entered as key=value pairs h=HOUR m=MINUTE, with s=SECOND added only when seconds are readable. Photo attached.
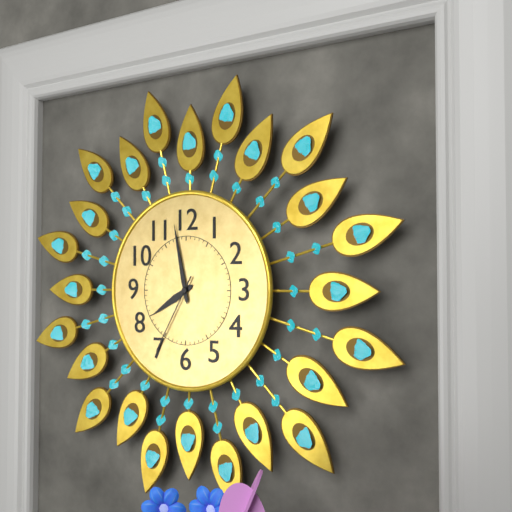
h=7 m=58 s=35
